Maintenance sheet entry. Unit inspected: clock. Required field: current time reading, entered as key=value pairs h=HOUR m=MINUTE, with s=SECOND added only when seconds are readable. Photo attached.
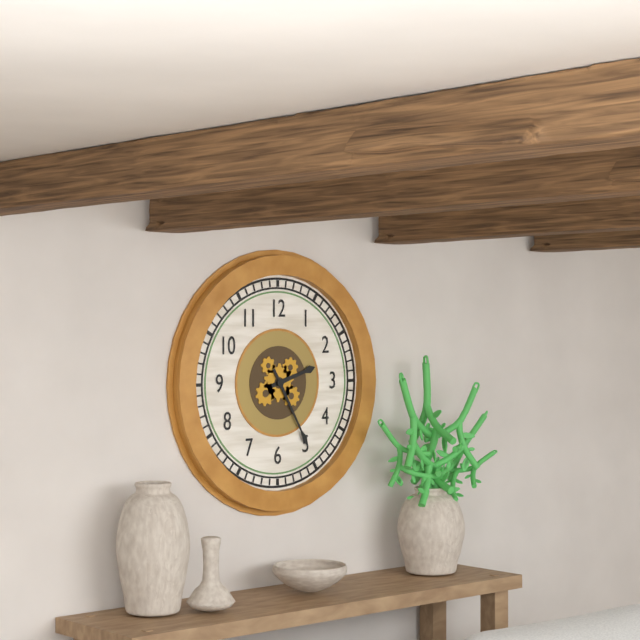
h=2 m=25
